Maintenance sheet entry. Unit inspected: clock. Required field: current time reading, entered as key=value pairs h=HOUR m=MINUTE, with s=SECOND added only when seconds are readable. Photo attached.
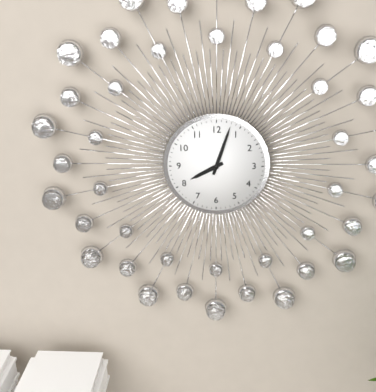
h=8 m=3
